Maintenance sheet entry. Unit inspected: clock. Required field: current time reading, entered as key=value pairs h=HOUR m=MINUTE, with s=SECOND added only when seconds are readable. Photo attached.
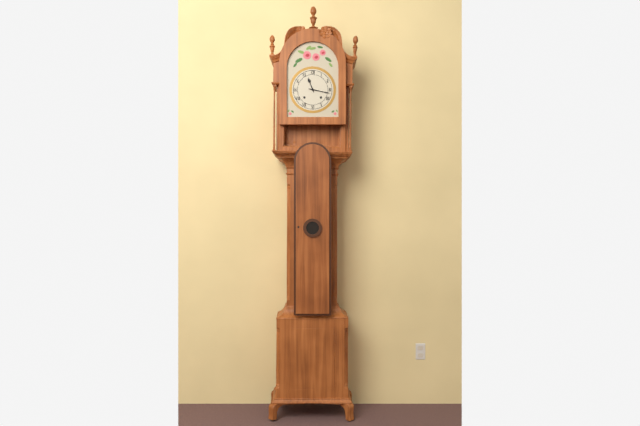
h=11 m=17
